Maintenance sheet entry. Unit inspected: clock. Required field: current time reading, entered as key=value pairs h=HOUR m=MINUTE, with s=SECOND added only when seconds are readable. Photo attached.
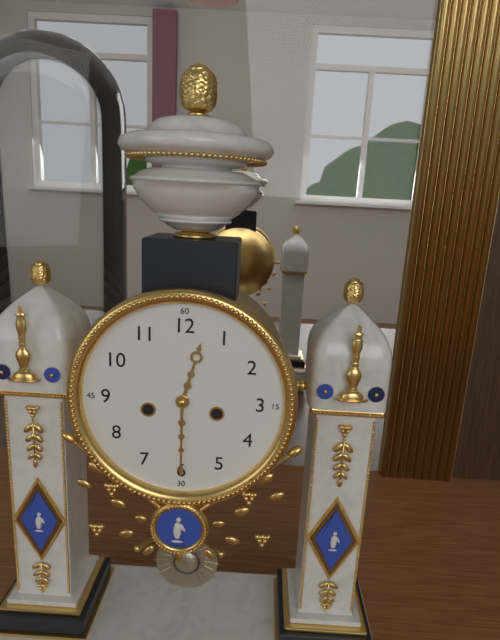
h=12 m=30
